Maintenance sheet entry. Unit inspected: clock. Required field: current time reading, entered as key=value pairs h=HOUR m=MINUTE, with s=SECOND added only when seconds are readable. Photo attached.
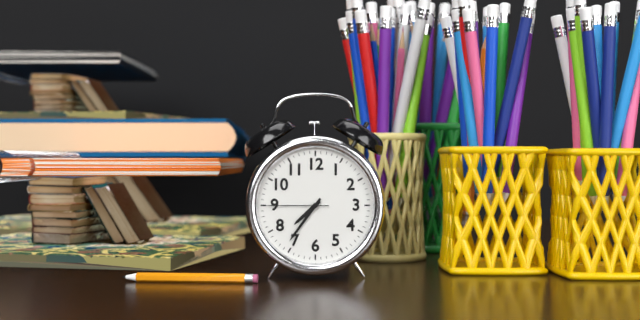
h=7 m=36 s=45
